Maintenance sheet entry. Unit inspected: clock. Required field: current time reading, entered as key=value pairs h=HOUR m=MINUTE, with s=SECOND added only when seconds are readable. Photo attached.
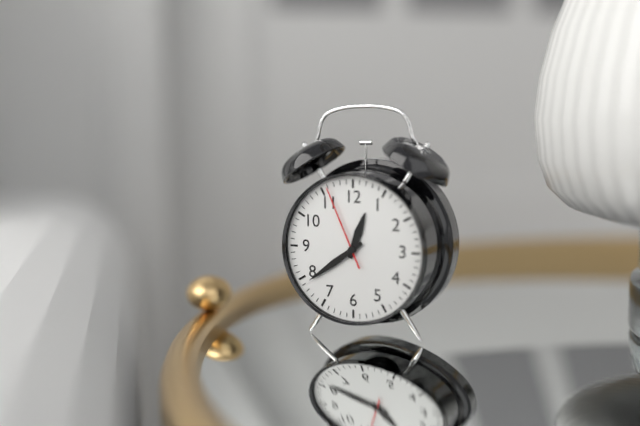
h=12 m=39 s=56
